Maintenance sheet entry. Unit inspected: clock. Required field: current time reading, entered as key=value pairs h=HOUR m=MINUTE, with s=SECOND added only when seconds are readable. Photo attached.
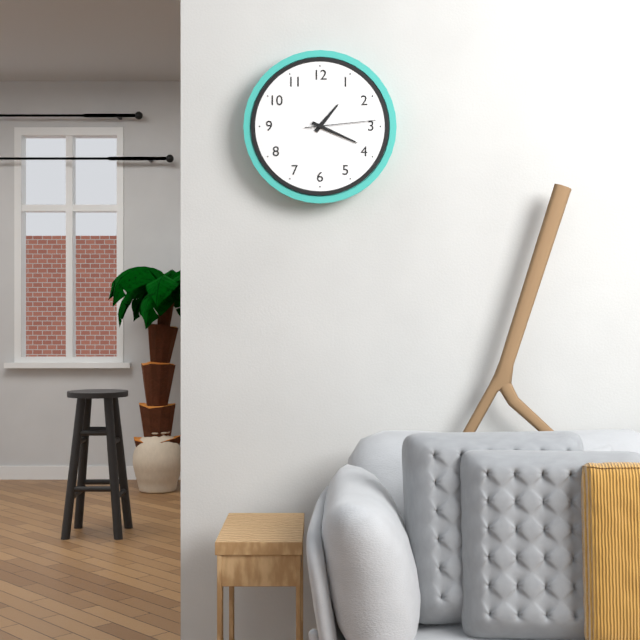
h=1 m=19 s=14
